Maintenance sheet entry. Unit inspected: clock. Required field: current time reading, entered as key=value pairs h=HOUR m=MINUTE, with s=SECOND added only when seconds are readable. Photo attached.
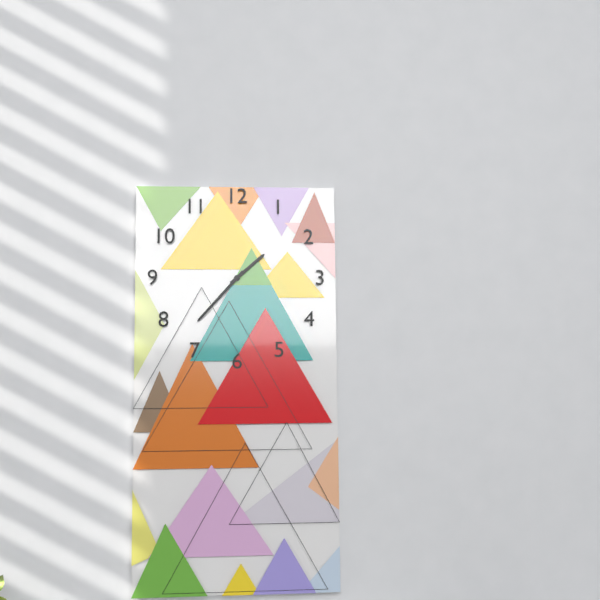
h=1 m=37
